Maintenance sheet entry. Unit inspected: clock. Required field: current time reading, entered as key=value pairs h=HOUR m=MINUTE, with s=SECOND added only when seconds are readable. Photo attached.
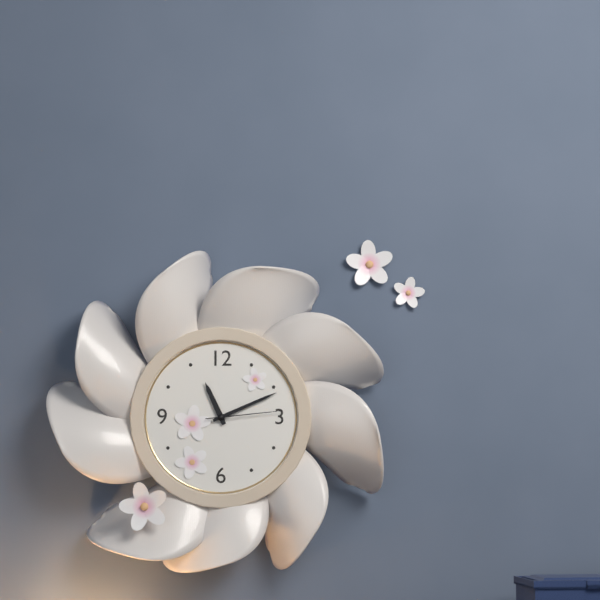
h=11 m=11 s=14
